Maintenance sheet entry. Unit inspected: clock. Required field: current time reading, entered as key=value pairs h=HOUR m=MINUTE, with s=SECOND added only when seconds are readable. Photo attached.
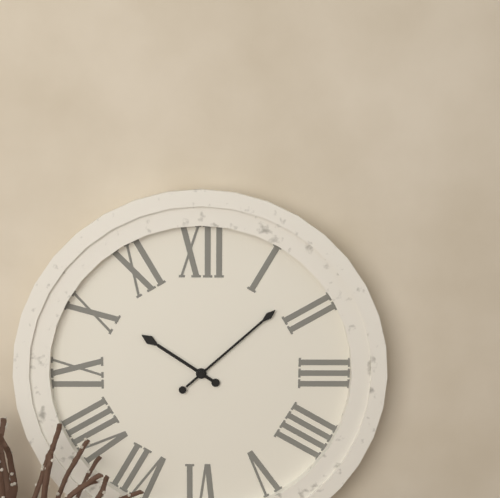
h=10 m=8
